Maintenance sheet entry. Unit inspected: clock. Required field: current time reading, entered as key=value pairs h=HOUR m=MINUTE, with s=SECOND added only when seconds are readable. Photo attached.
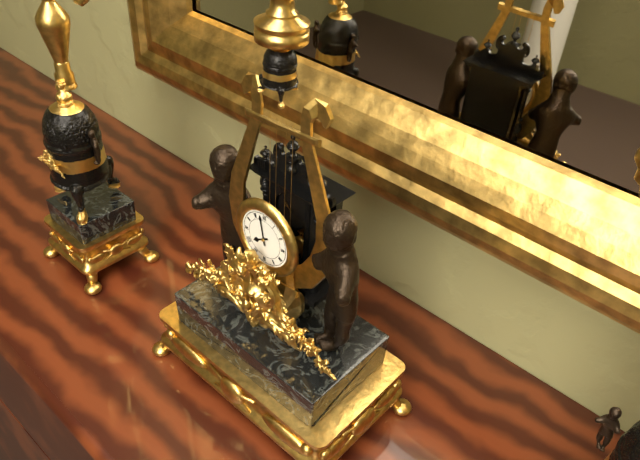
h=7 m=58
